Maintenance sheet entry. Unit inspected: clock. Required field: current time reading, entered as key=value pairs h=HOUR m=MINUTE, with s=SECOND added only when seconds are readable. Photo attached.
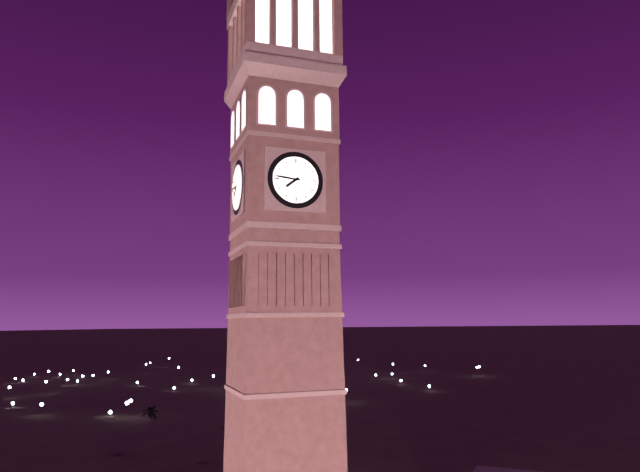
h=7 m=46
